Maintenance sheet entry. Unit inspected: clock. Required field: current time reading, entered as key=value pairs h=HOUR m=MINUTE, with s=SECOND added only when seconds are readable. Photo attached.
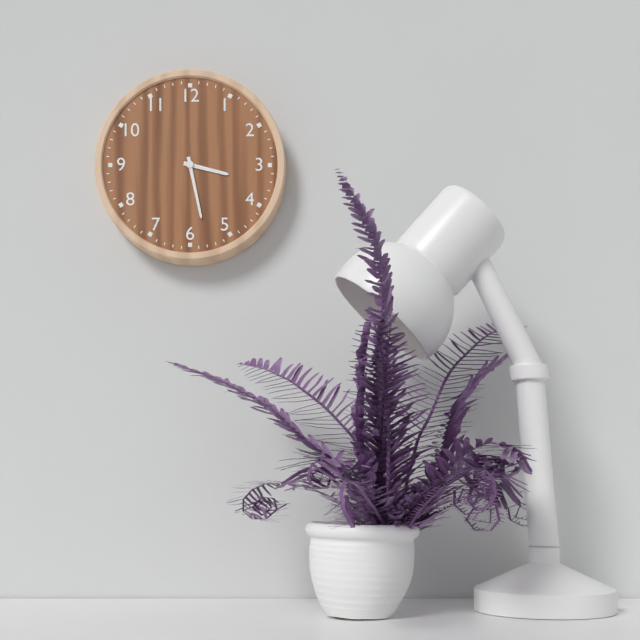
h=3 m=28
